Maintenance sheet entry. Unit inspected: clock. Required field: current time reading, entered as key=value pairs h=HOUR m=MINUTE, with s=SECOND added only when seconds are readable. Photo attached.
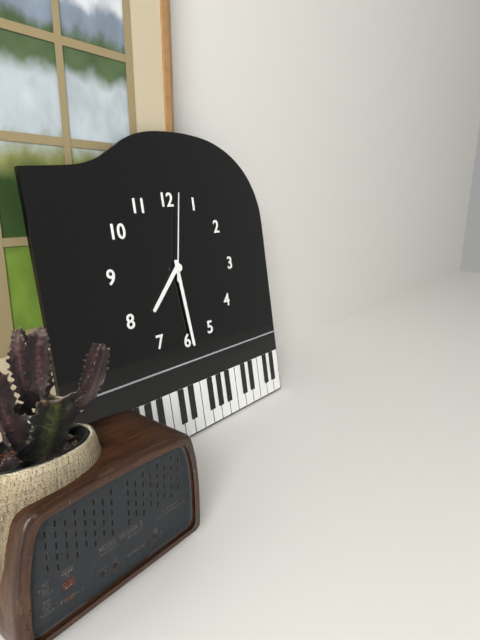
h=7 m=29 s=2
